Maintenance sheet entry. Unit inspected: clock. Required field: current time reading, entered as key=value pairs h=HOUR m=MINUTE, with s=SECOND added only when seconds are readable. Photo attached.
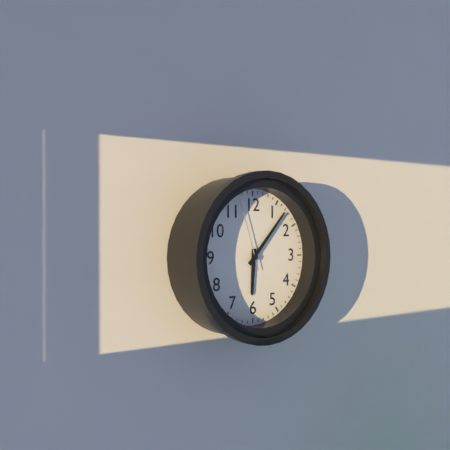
h=6 m=7 s=57
